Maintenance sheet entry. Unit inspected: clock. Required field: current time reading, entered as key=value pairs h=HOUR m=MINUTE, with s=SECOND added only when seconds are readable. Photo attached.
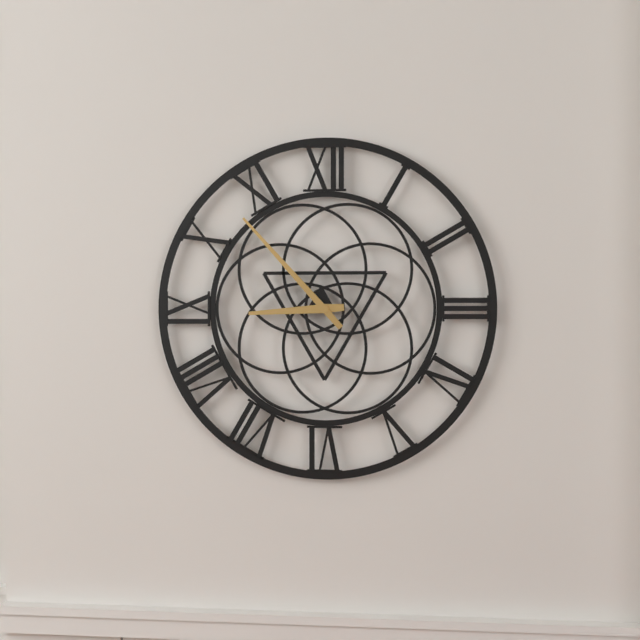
h=8 m=53
